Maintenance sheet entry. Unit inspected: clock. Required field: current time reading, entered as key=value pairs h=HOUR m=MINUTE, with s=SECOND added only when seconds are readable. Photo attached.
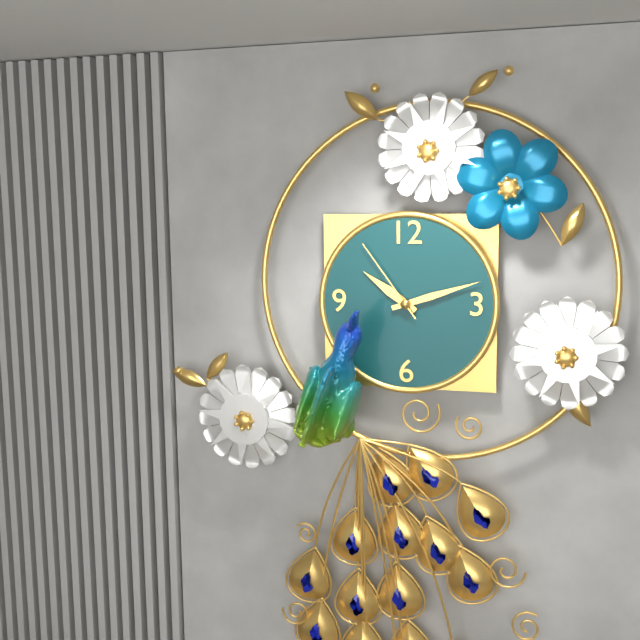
h=10 m=12 s=54
